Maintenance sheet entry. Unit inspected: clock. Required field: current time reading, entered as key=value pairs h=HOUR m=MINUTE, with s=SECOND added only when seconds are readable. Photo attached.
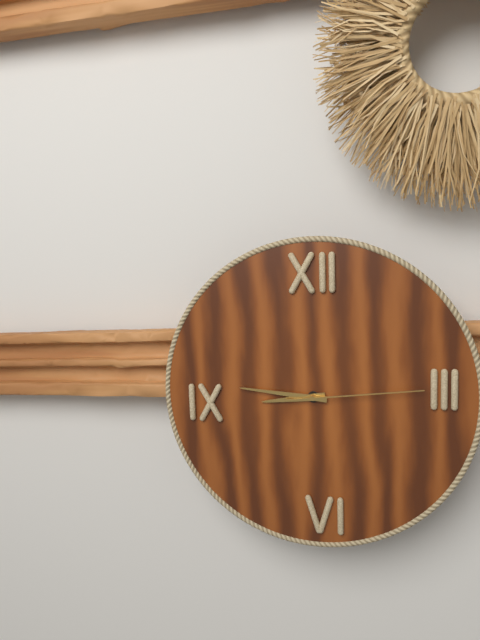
h=8 m=46 s=14
